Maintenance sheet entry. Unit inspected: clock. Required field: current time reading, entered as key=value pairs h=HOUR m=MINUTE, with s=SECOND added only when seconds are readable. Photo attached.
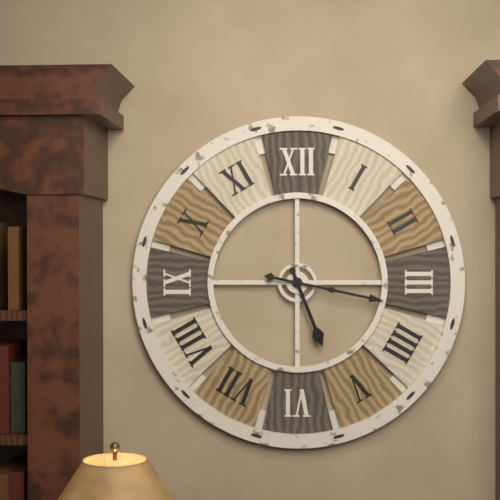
h=5 m=17
